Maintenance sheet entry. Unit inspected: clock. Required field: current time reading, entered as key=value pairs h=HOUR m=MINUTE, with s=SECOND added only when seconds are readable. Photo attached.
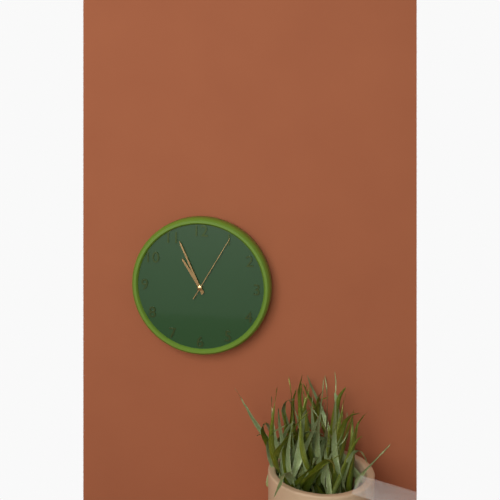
h=10 m=56 s=5
